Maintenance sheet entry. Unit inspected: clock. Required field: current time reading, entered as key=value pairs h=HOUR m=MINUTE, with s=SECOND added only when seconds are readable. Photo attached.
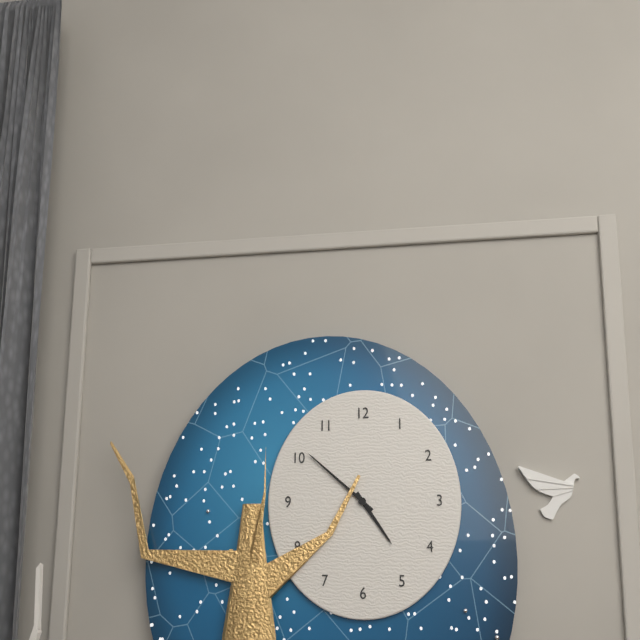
h=4 m=52
